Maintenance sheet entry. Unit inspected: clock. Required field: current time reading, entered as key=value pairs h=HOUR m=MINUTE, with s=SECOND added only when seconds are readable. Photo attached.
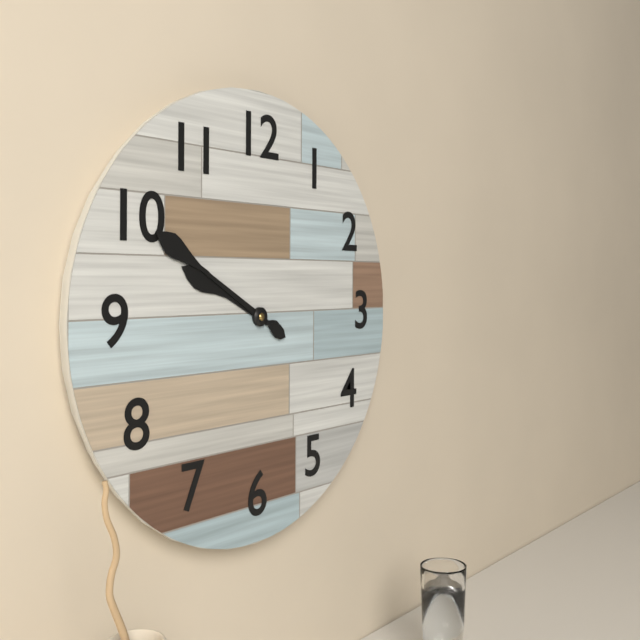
h=9 m=50
